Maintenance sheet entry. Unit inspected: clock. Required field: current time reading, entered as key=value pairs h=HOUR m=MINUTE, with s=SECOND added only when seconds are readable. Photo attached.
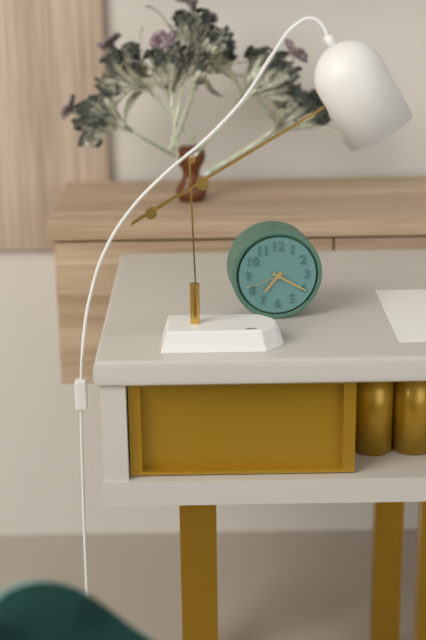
h=7 m=20
